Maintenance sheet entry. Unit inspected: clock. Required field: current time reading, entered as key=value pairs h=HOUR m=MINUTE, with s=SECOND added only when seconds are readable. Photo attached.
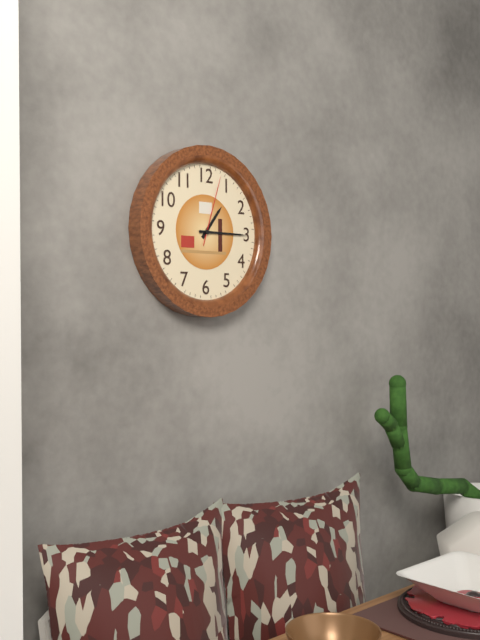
h=1 m=15 s=3
